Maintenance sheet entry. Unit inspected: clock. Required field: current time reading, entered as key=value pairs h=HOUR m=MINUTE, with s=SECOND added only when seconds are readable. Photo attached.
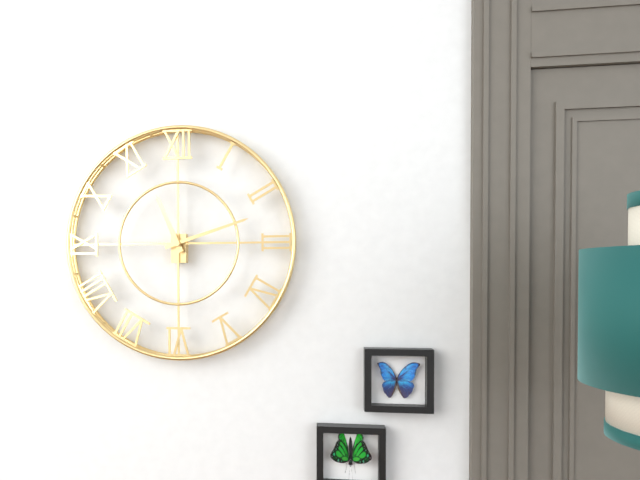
h=11 m=12
